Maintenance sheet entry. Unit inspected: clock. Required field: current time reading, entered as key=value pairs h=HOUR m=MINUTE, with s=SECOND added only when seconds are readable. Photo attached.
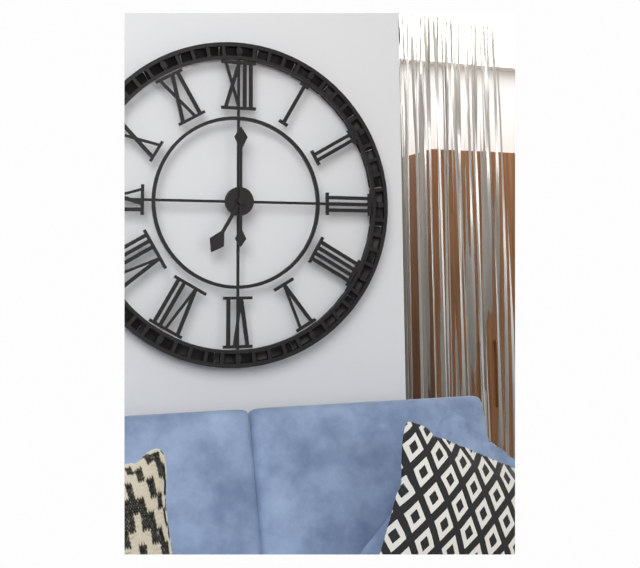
h=7 m=0
